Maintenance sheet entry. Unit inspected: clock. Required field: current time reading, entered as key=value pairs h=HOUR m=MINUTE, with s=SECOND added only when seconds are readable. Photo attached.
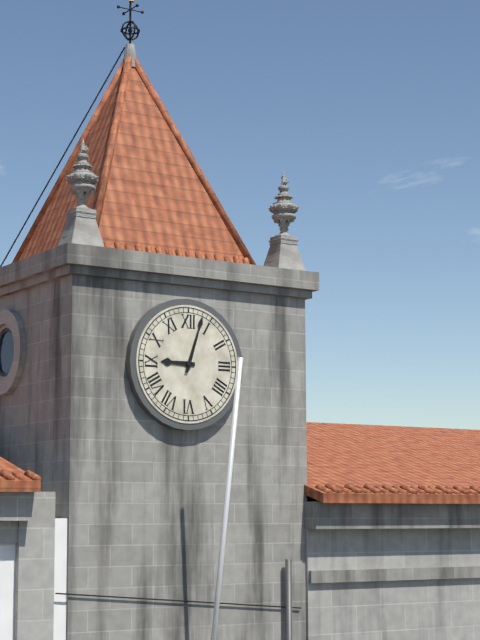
h=9 m=3
